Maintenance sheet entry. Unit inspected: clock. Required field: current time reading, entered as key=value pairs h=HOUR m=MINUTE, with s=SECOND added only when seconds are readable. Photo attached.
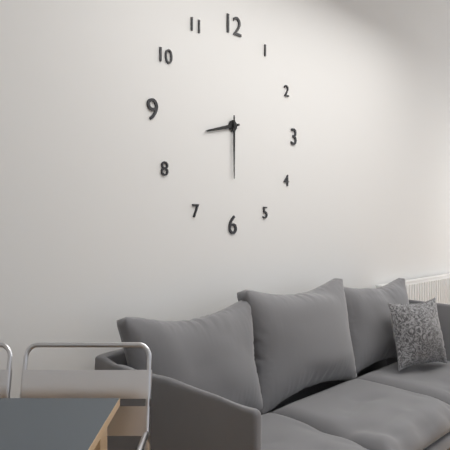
h=8 m=30
